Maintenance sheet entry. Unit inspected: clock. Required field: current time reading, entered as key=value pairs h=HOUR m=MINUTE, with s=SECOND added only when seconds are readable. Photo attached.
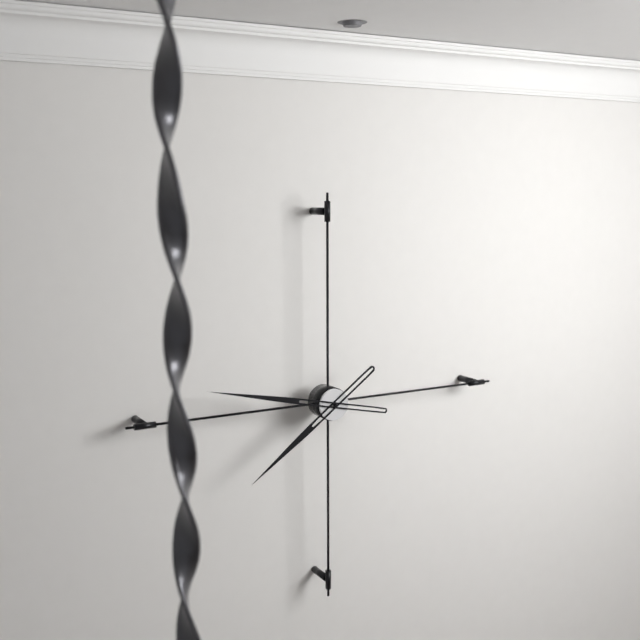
h=7 m=47
